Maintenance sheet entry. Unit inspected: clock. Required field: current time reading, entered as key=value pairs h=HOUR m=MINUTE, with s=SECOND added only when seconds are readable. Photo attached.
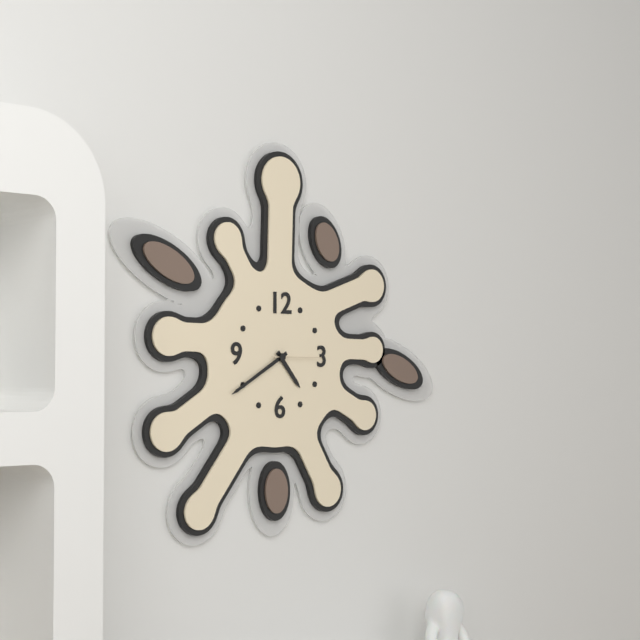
h=4 m=40
